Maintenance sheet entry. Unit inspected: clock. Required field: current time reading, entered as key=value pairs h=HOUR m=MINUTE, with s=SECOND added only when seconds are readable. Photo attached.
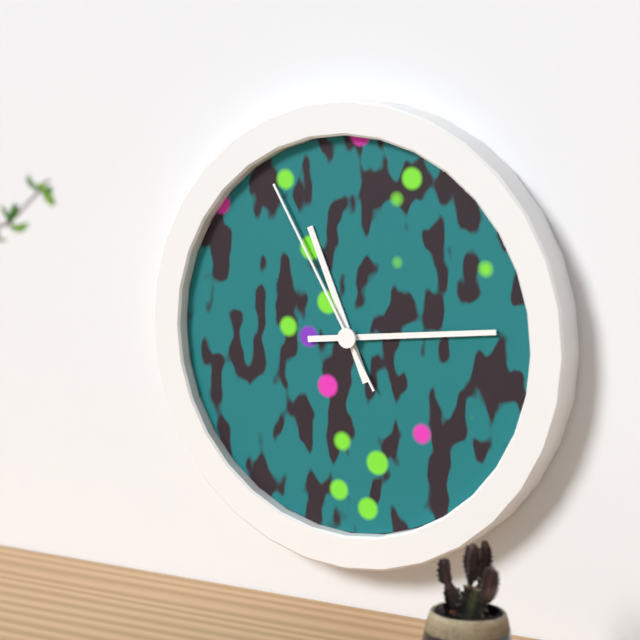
h=11 m=14 s=55
